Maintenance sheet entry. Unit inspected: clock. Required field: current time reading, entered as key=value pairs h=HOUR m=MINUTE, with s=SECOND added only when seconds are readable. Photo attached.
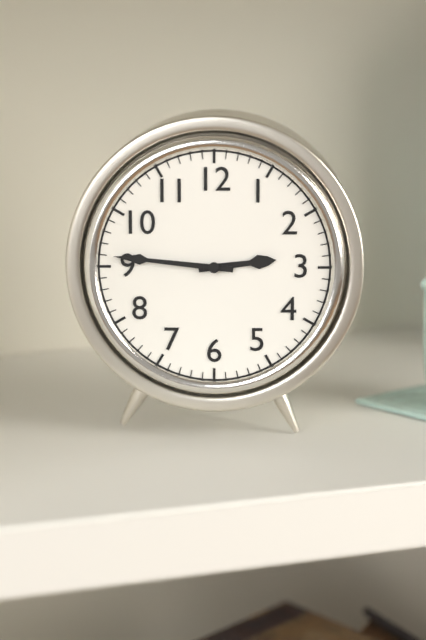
h=2 m=46
